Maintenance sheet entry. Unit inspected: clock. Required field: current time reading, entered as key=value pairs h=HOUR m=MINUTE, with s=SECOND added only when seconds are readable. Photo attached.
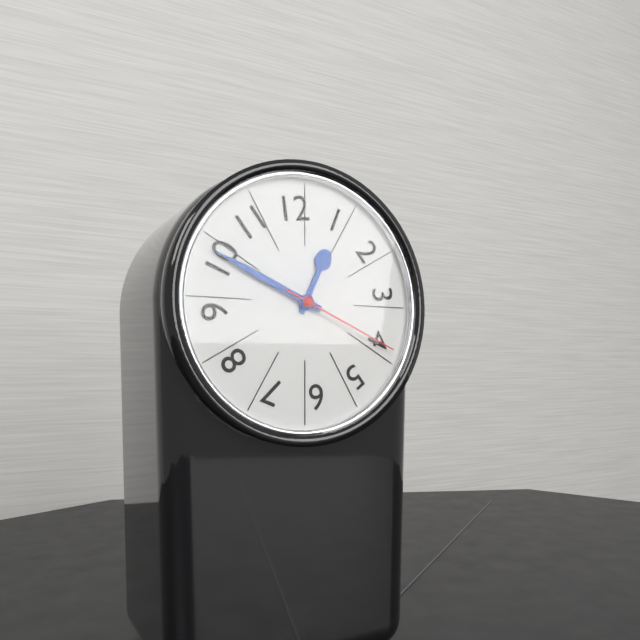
h=12 m=49 s=19
